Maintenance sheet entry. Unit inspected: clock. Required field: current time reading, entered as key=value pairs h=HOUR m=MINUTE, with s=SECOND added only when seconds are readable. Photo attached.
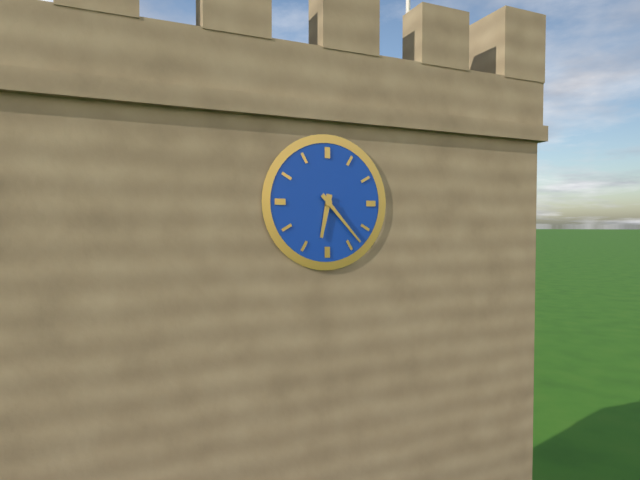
h=6 m=23
